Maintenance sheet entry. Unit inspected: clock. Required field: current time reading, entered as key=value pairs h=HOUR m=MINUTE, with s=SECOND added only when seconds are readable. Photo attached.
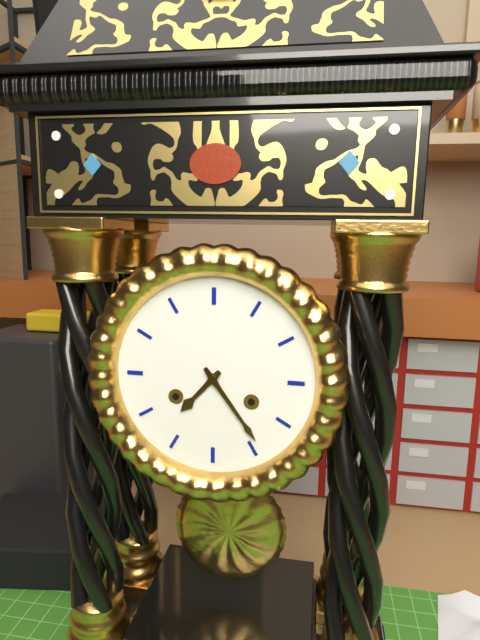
h=7 m=24
